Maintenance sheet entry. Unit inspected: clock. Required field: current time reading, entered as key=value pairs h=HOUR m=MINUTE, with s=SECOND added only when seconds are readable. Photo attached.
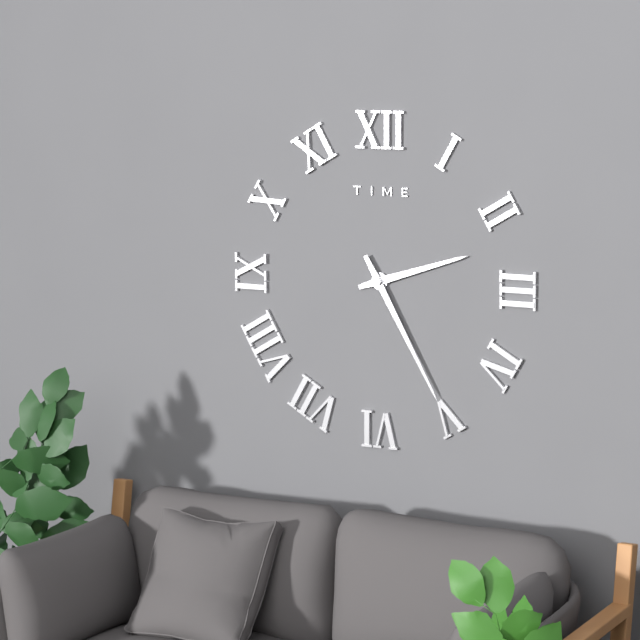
h=2 m=25
